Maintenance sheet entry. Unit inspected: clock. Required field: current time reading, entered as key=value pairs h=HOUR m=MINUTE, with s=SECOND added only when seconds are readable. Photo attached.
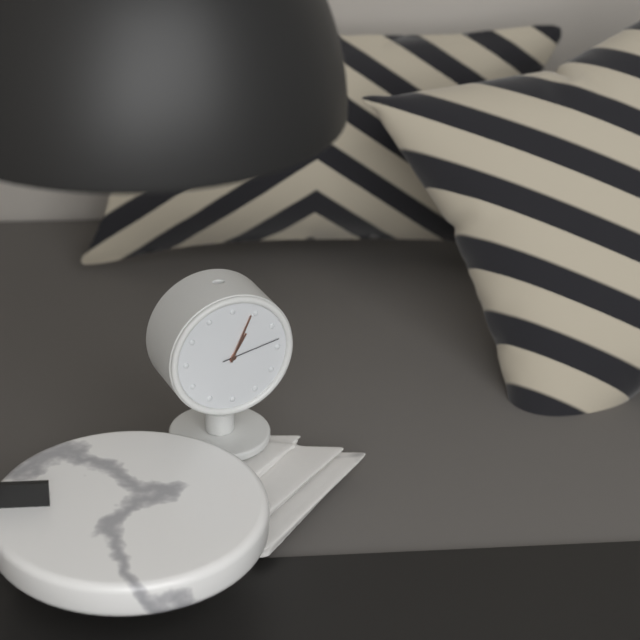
h=1 m=4 s=13
